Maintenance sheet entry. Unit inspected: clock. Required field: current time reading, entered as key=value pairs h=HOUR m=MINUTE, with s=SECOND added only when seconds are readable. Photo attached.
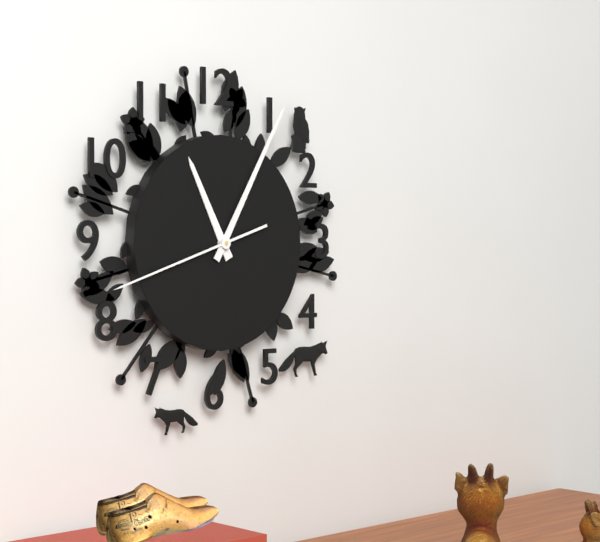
h=11 m=5 s=42
